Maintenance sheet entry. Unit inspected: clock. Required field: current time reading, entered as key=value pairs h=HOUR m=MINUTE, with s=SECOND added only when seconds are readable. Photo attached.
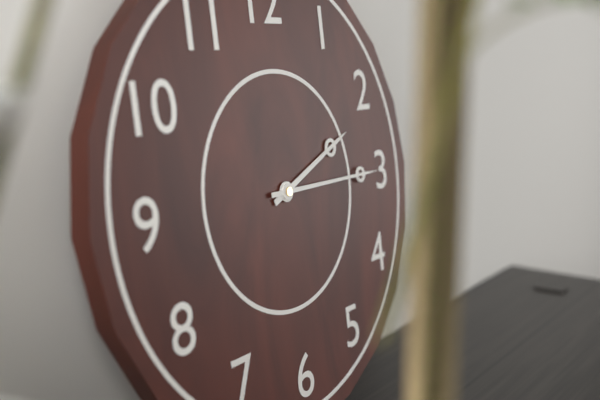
h=2 m=15
